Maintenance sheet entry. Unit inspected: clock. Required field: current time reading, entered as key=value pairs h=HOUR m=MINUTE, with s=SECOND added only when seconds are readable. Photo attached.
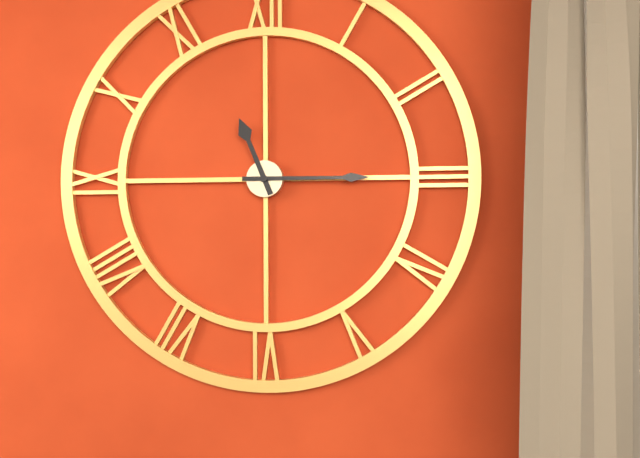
h=11 m=15
